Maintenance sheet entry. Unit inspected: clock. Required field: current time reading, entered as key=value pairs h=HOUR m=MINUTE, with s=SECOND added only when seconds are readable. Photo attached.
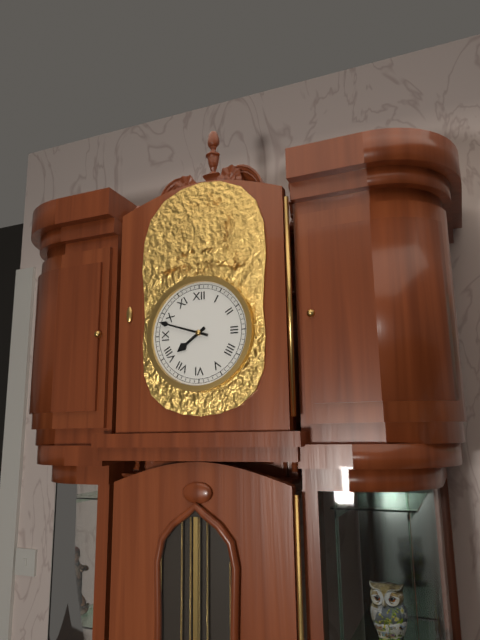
h=7 m=48
